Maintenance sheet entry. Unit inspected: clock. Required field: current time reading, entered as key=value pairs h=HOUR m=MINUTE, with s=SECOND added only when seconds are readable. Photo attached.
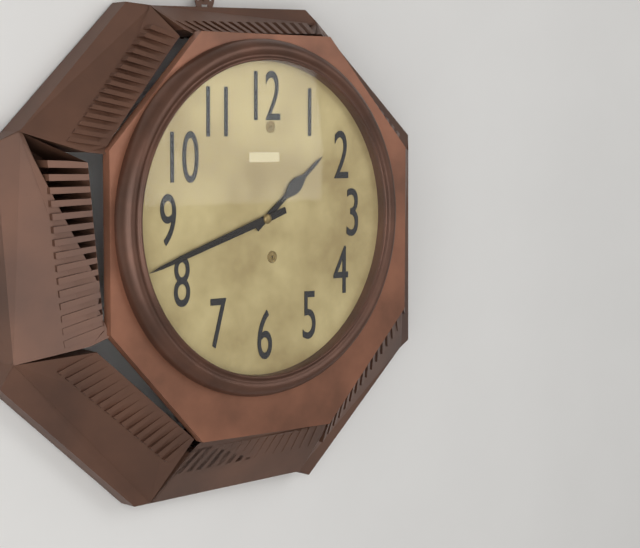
h=1 m=42
